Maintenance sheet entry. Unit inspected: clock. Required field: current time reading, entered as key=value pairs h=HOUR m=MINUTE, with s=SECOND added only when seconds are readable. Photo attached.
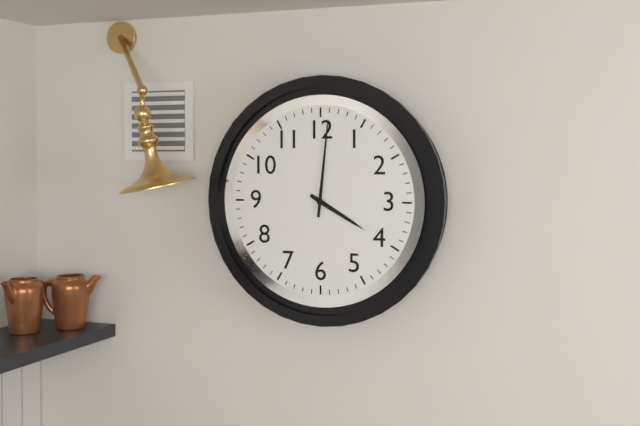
h=4 m=1
